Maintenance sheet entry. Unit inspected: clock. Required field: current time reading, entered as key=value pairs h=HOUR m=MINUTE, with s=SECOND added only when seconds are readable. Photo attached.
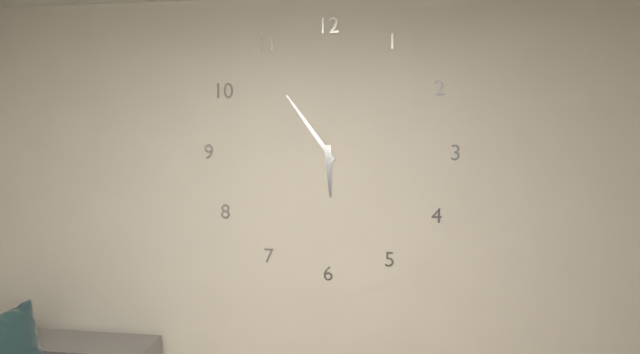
h=5 m=54
